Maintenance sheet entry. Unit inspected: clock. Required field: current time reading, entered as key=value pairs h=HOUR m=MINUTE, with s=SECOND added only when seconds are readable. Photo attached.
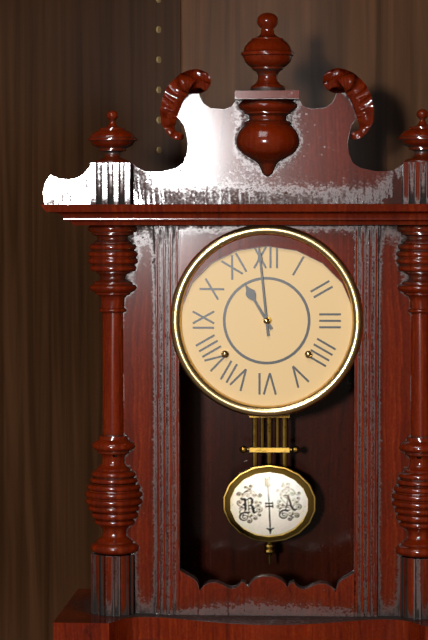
h=10 m=59
